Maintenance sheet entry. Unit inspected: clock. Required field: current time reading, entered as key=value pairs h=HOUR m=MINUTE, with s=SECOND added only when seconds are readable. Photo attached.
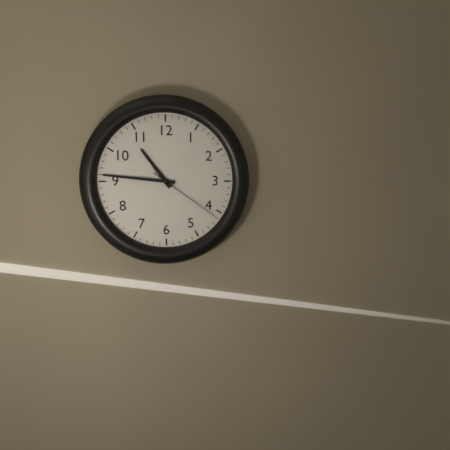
h=10 m=46 s=21
